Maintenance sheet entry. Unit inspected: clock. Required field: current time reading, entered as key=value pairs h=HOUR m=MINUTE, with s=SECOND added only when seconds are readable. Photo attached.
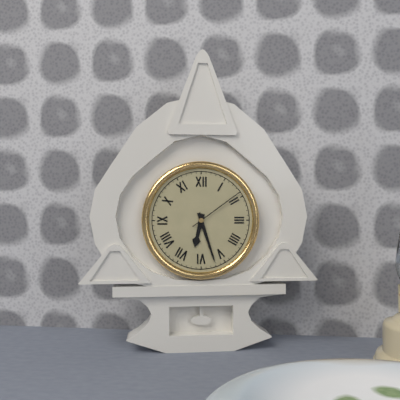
h=6 m=27 s=9
